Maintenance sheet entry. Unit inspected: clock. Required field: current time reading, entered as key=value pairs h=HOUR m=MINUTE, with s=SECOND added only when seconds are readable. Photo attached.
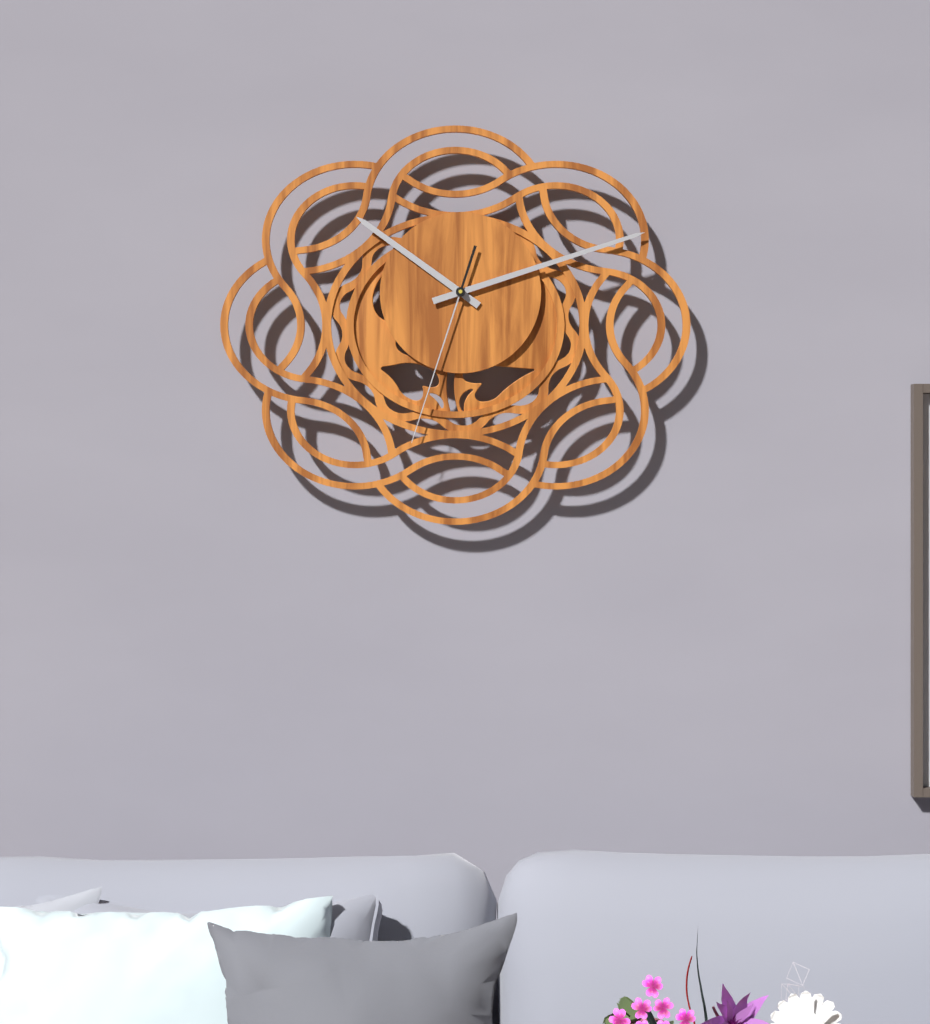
h=10 m=12 s=33
